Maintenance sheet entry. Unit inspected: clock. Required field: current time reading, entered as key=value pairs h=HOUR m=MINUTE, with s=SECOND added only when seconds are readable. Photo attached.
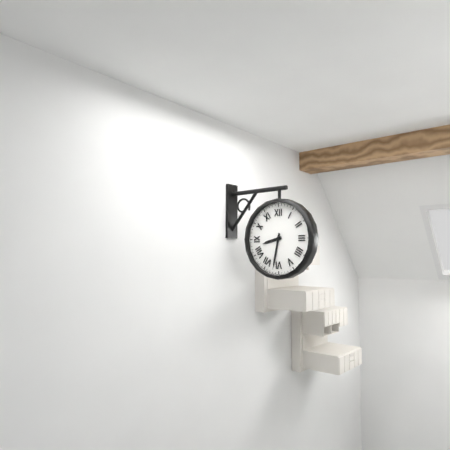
h=8 m=32
